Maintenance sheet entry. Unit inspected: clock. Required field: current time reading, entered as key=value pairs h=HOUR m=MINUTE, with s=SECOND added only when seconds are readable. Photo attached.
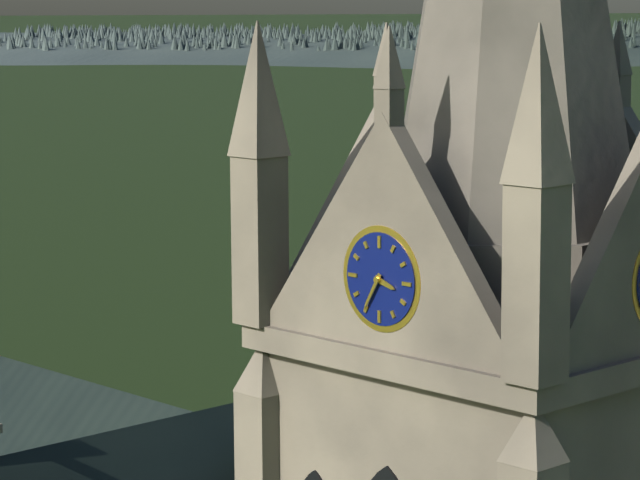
h=3 m=35
